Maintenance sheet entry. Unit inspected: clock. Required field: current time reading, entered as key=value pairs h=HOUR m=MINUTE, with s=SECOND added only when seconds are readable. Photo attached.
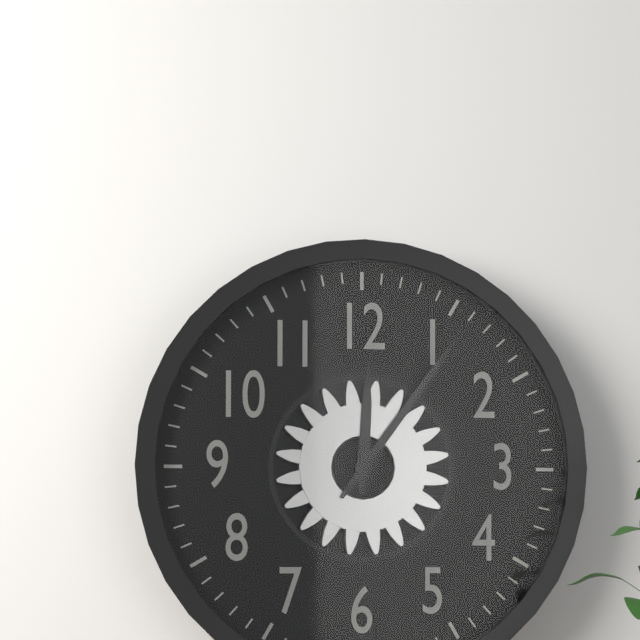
h=12 m=6
